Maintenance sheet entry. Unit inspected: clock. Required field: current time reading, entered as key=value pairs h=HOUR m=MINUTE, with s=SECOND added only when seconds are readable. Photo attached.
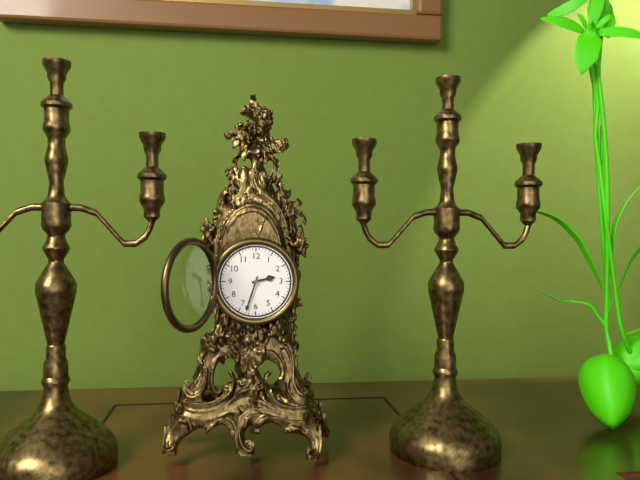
h=2 m=33
